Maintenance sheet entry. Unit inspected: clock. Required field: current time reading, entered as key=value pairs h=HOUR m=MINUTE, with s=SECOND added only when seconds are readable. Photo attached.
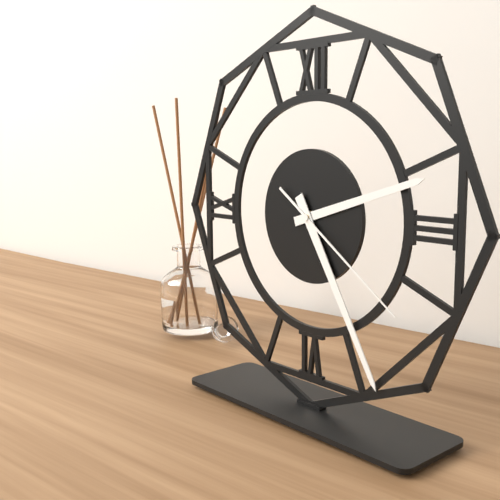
h=2 m=25 s=21
